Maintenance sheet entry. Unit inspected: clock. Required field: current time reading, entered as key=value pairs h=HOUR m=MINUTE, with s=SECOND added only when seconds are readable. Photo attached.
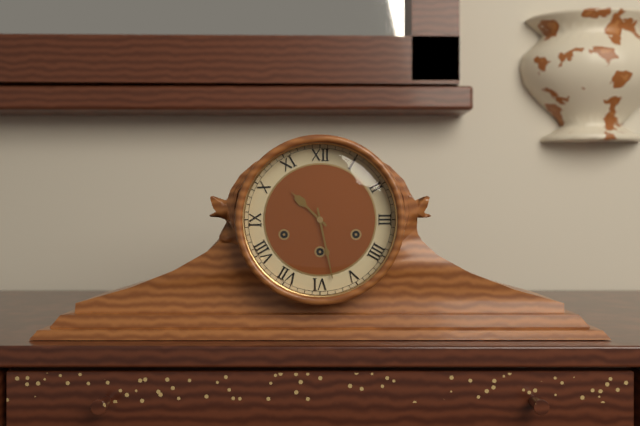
h=10 m=28
